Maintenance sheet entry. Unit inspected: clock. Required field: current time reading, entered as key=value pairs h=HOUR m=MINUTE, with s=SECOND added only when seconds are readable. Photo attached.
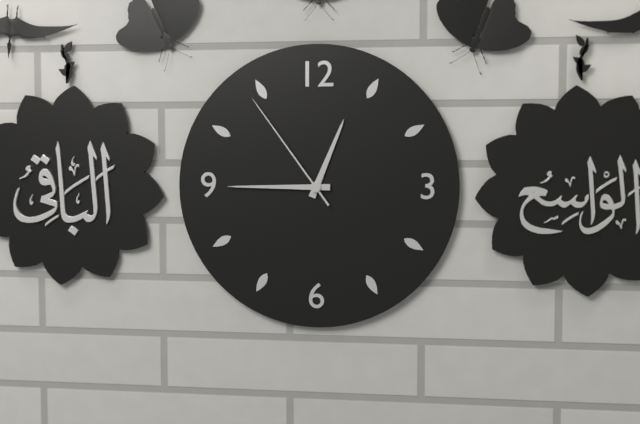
h=12 m=45 s=54
